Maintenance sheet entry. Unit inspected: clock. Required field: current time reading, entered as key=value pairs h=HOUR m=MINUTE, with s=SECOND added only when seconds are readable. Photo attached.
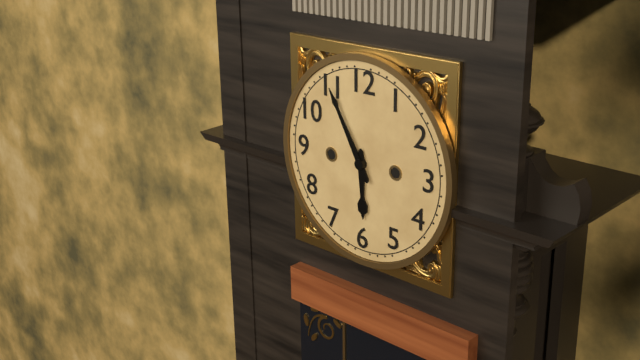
h=5 m=55
